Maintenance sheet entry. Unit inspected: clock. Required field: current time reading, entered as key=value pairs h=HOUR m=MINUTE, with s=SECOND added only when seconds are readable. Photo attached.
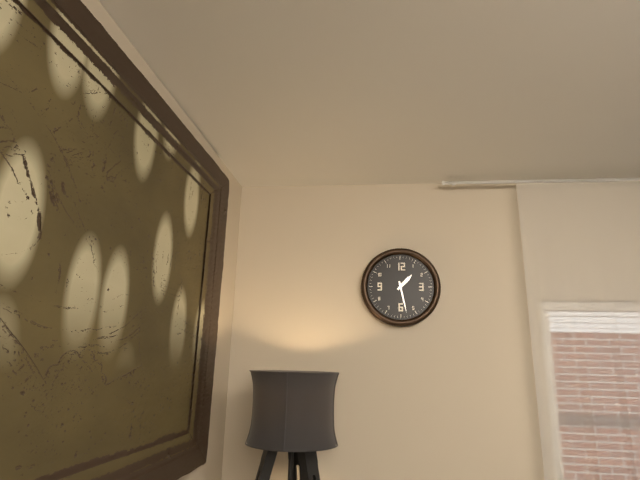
h=1 m=28
